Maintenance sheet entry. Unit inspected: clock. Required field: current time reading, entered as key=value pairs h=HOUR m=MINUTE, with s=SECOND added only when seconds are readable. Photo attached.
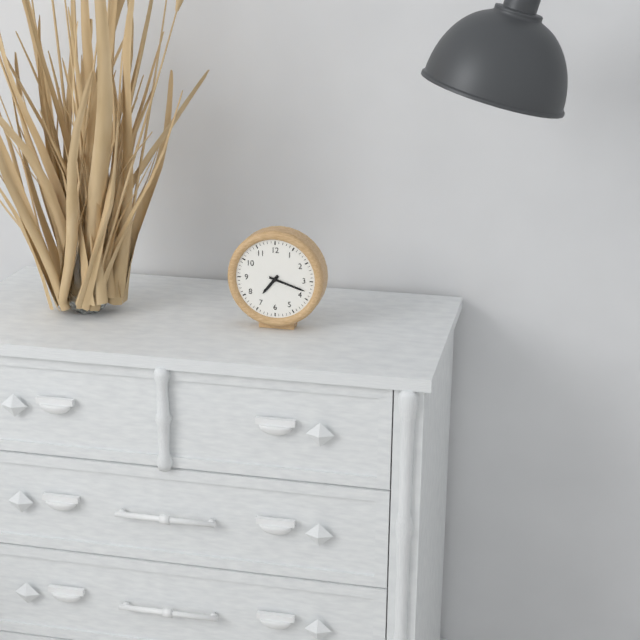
h=7 m=18
